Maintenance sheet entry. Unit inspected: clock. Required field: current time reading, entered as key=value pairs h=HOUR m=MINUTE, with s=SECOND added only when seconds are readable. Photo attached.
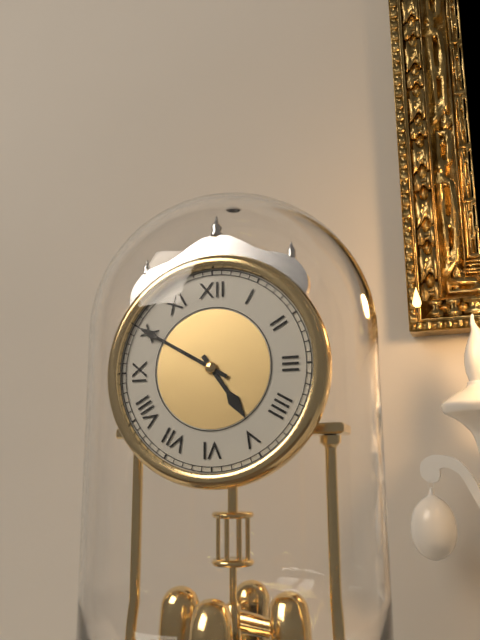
h=4 m=50
